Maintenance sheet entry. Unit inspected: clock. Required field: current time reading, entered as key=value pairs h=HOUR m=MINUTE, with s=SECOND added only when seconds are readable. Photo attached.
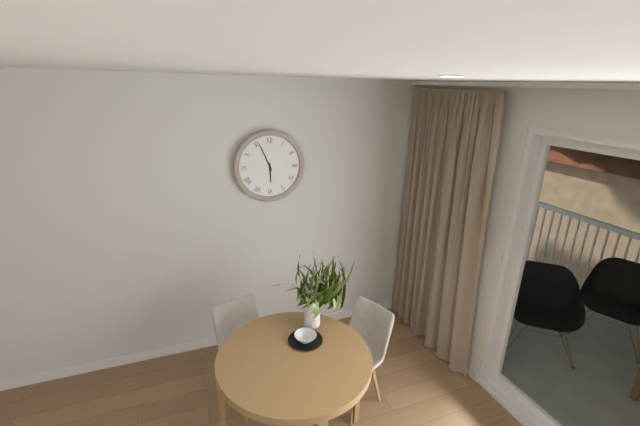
h=5 m=56
